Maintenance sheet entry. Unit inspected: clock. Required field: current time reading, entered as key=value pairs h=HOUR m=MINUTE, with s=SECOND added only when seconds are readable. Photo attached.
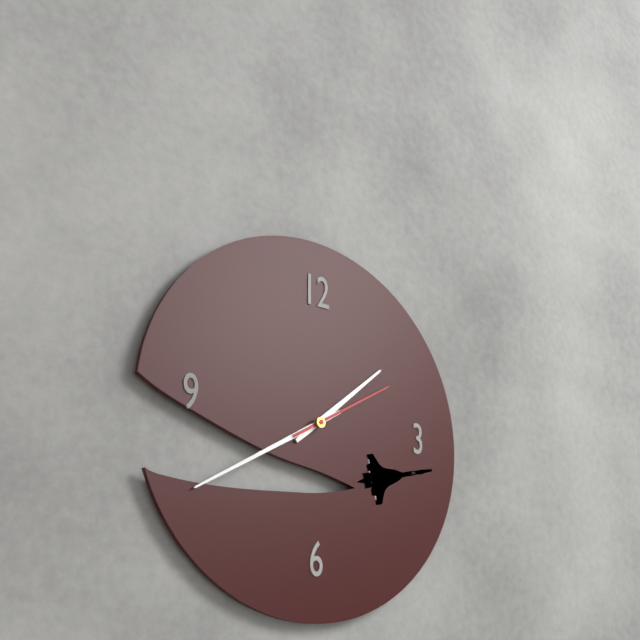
h=1 m=40 s=10
